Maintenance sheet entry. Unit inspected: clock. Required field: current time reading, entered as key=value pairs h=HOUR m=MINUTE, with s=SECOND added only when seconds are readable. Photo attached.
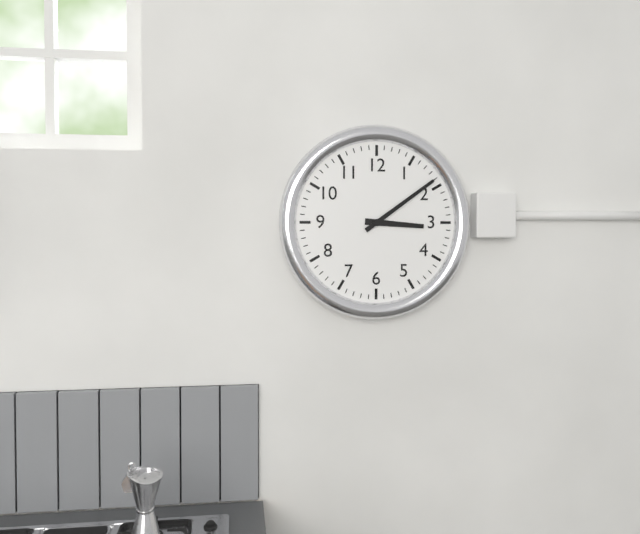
h=3 m=9
